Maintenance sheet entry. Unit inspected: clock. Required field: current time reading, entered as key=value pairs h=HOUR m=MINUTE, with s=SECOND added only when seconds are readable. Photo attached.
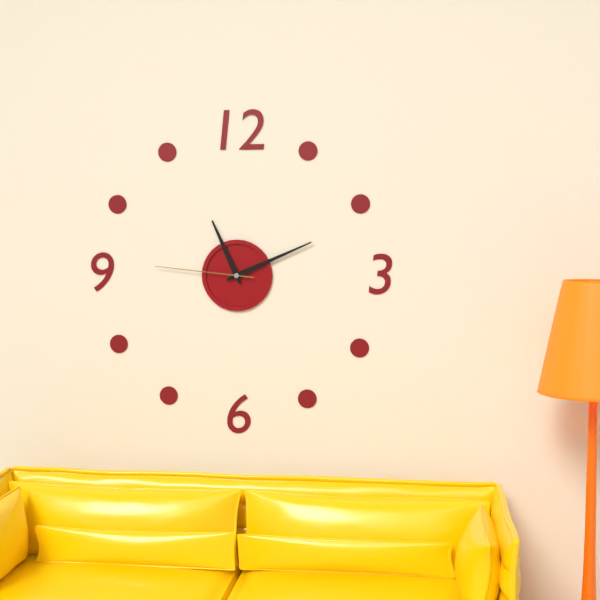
h=11 m=11 s=46
